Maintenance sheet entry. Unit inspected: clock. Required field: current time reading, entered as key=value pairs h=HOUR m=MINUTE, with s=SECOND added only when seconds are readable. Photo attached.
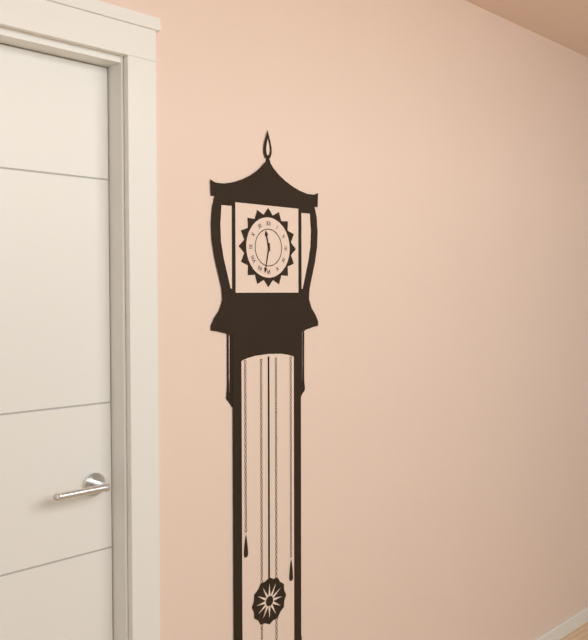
h=11 m=32
